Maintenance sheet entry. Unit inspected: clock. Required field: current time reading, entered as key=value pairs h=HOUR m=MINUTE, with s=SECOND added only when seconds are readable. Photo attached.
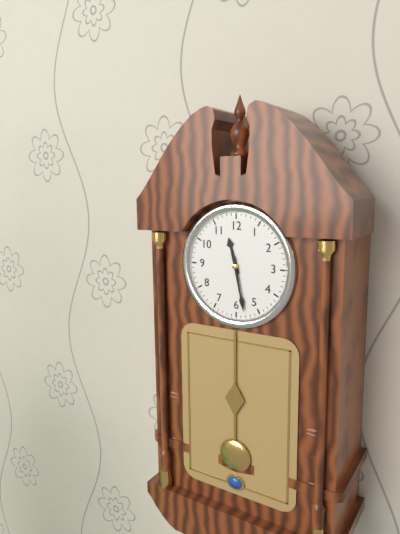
h=11 m=28
